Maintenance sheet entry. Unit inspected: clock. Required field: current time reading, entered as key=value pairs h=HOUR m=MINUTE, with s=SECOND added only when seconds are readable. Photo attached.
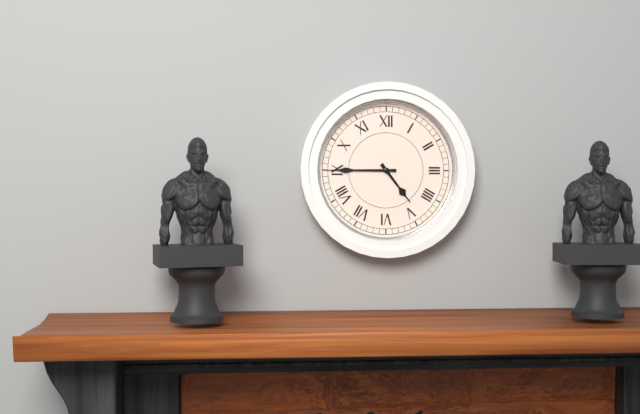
h=4 m=45
